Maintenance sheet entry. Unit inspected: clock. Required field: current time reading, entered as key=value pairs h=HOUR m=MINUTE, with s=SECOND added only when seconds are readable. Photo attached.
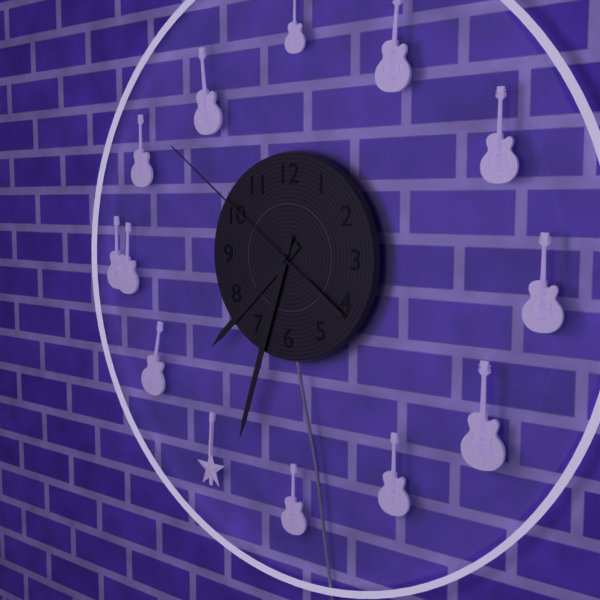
h=7 m=33 s=51
